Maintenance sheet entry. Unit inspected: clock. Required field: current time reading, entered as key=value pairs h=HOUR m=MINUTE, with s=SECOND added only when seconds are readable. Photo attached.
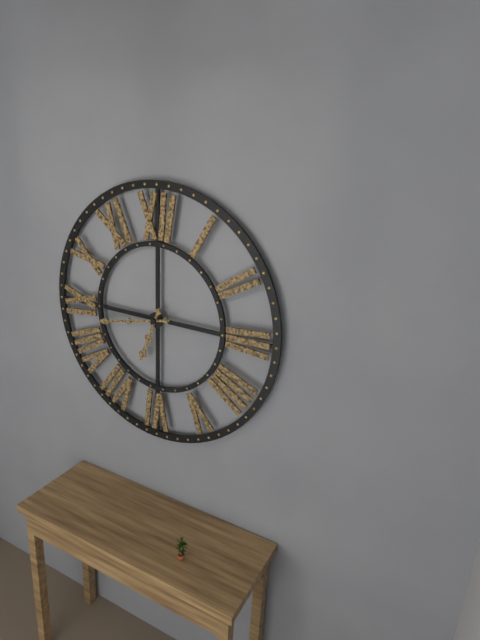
h=6 m=43
